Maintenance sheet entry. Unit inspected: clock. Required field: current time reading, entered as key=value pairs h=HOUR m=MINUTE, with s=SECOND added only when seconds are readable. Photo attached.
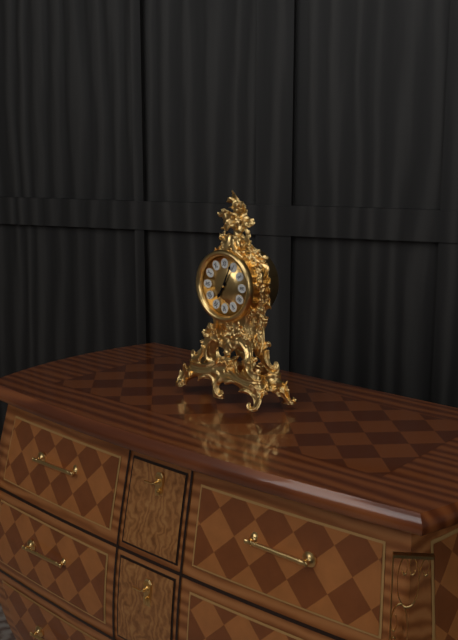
h=7 m=4
